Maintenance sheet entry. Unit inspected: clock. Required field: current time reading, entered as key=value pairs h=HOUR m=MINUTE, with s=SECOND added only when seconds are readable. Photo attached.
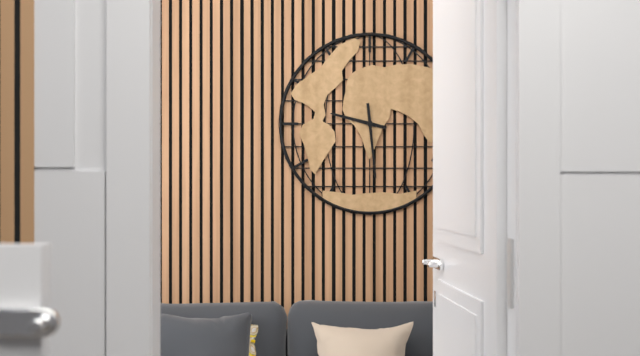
h=9 m=29
